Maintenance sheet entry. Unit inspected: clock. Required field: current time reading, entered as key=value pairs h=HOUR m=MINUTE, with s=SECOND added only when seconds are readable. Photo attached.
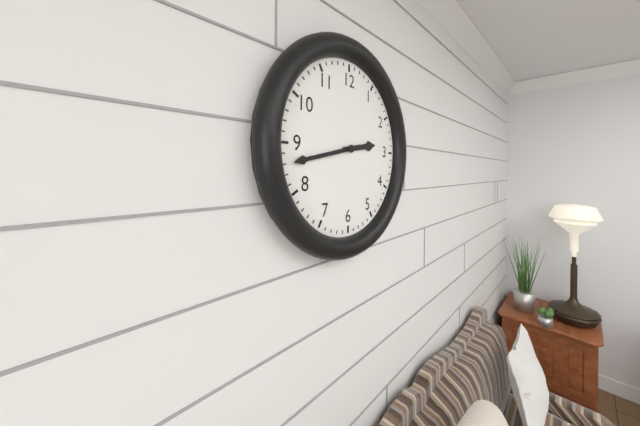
h=2 m=43
